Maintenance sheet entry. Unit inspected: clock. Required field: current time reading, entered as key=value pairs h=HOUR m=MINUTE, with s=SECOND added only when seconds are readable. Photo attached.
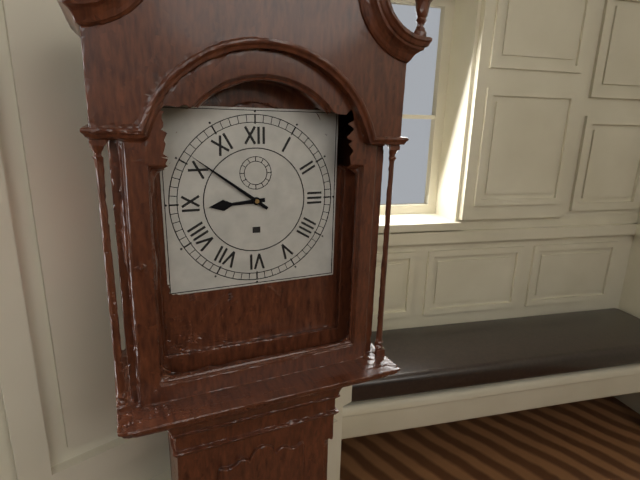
h=8 m=51
